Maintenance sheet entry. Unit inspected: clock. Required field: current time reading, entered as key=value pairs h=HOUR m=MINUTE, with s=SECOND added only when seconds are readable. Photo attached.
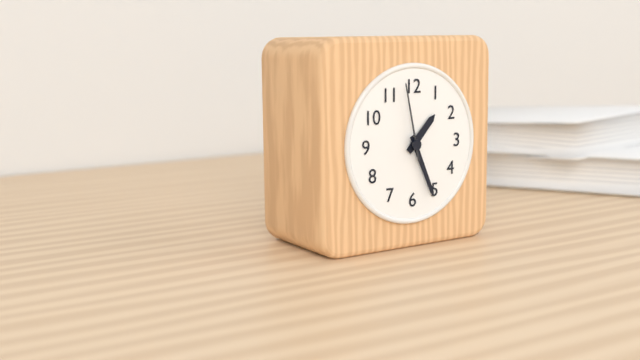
h=1 m=26 s=58
